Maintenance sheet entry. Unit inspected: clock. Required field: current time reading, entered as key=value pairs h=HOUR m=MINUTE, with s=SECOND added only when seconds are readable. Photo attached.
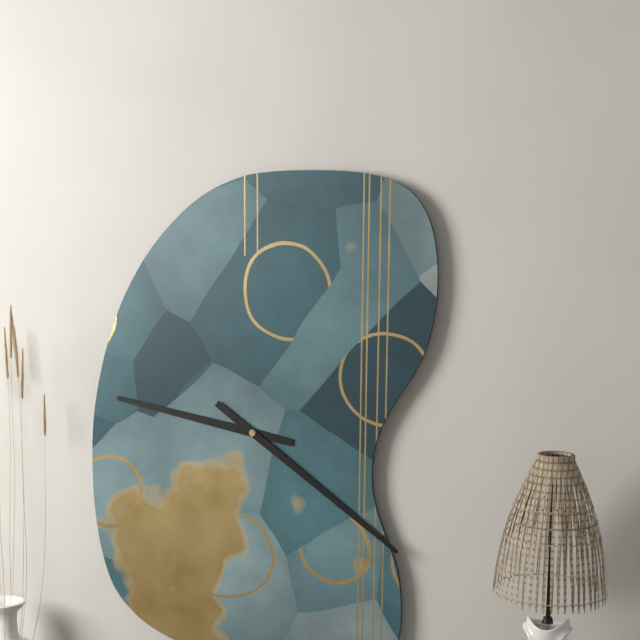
h=9 m=21
